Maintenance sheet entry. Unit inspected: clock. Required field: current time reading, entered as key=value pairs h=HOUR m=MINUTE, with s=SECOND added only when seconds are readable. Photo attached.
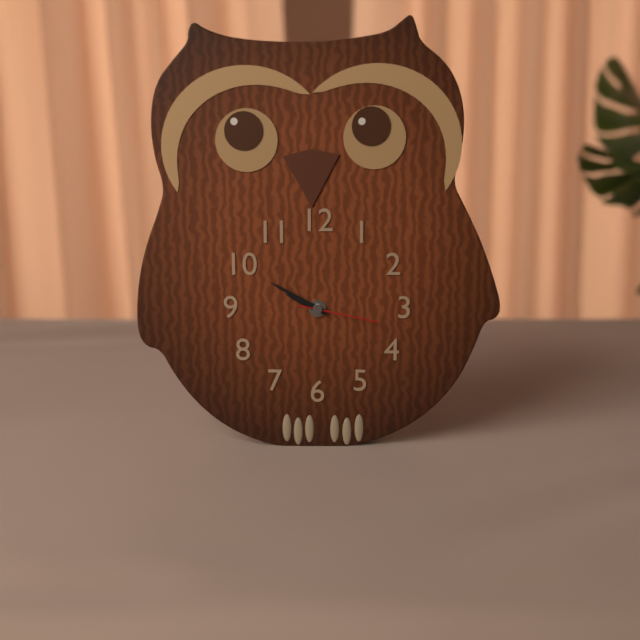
h=9 m=50 s=17
